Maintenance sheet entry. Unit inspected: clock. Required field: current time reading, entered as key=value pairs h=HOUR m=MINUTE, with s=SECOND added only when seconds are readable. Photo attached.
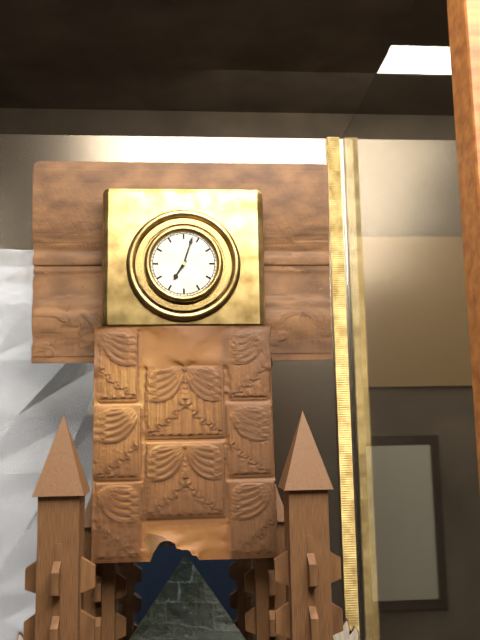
h=7 m=3
